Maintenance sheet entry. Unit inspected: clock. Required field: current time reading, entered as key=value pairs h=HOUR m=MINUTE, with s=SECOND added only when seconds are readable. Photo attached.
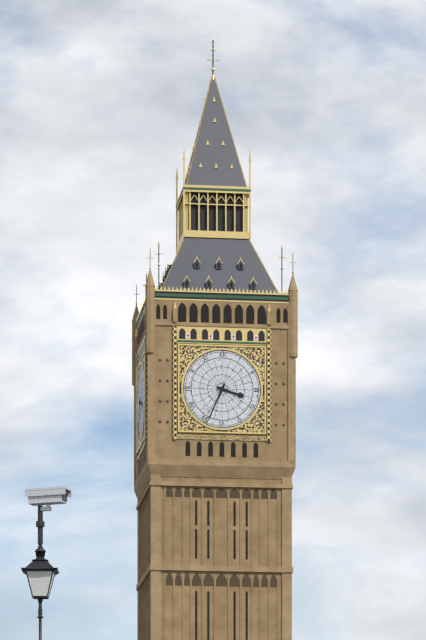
h=3 m=34
